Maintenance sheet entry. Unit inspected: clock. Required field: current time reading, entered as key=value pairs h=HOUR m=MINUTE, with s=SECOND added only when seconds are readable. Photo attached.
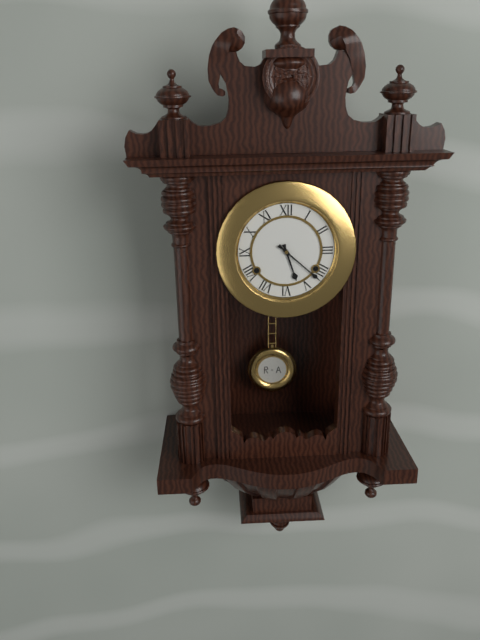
h=5 m=22
